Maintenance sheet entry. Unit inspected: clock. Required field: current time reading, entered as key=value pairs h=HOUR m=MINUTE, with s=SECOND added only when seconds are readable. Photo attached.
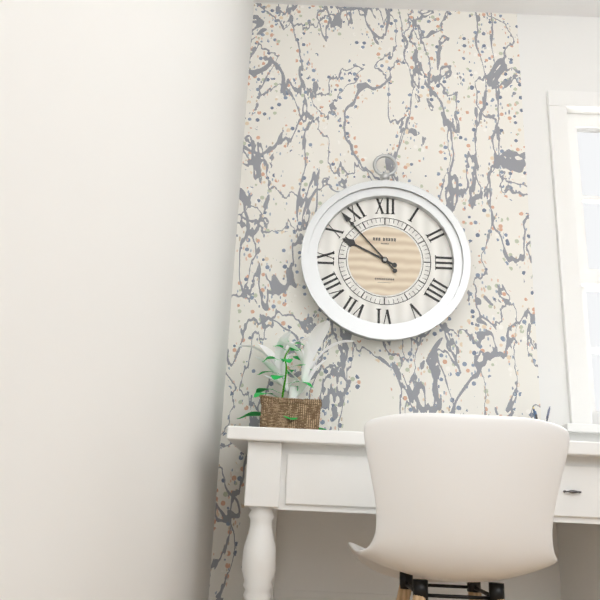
h=9 m=53
